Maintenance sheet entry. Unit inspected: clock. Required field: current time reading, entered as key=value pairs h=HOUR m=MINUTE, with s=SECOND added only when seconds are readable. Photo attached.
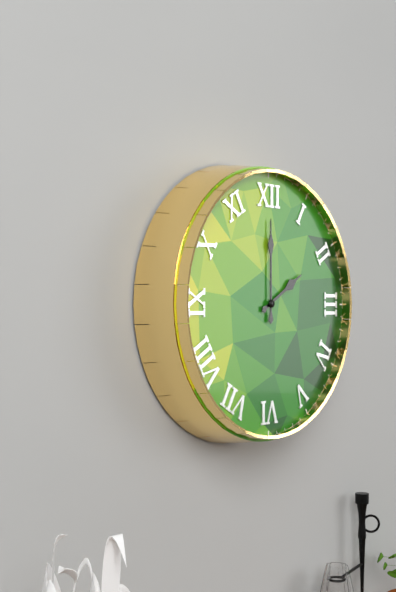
h=2 m=0
